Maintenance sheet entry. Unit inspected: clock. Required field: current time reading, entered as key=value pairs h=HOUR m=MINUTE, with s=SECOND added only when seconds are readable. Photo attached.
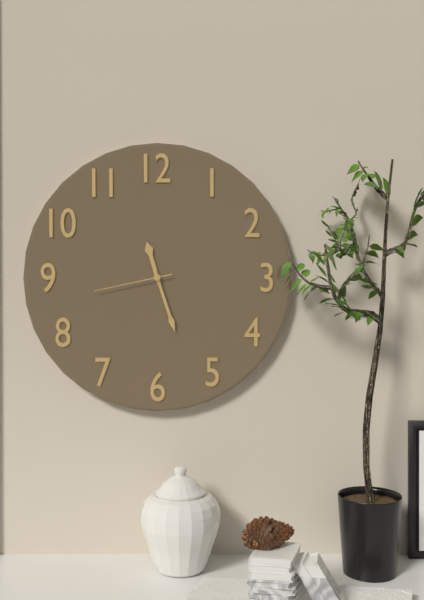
h=11 m=27 s=43
